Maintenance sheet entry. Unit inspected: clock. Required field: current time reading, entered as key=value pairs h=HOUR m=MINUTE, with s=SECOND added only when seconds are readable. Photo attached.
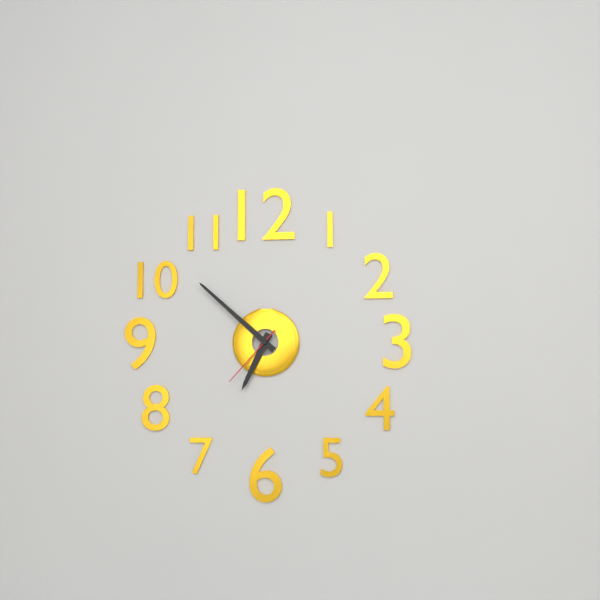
h=6 m=52 s=37
